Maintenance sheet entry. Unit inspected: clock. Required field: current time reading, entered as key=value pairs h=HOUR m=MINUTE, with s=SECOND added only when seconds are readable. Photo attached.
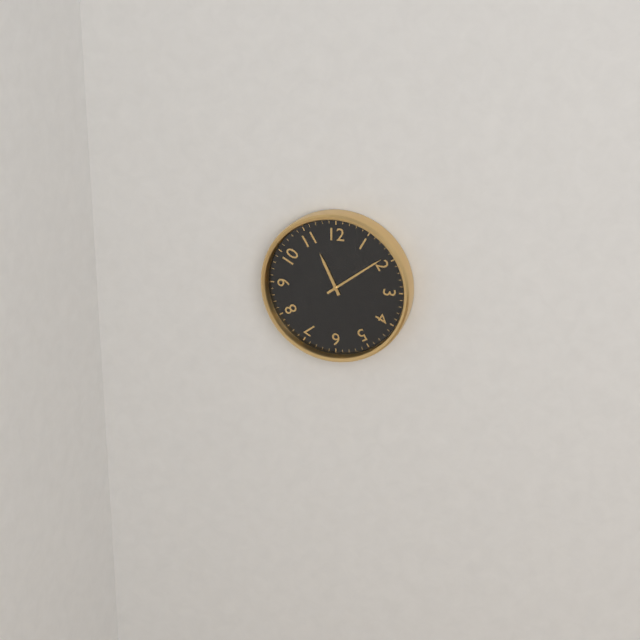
h=11 m=9
